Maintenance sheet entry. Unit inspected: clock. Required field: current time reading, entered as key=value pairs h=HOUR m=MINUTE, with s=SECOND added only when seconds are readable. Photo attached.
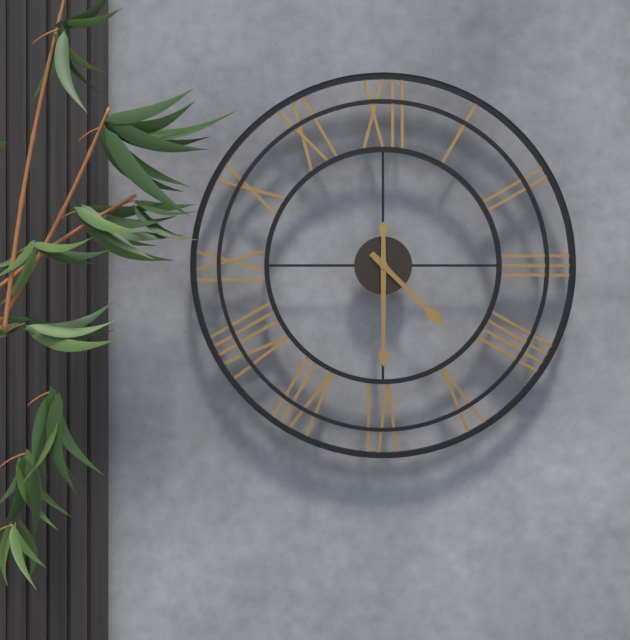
h=4 m=30
